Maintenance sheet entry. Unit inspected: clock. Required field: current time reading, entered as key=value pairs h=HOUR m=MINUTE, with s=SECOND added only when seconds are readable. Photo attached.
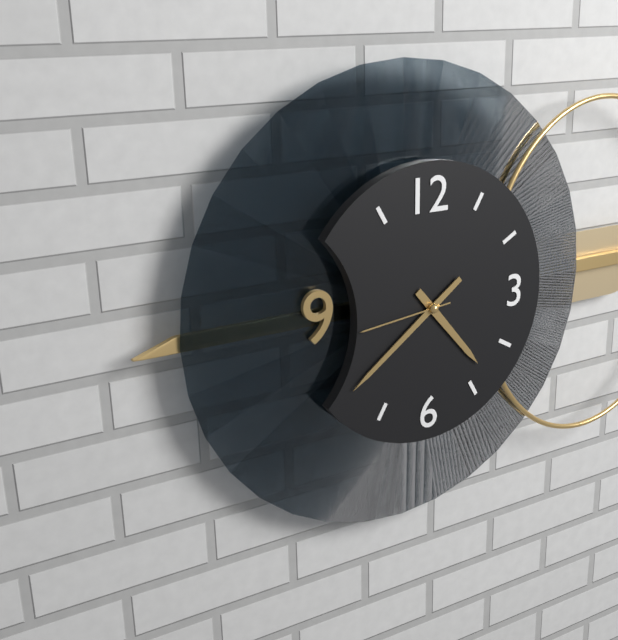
h=4 m=39 s=44
